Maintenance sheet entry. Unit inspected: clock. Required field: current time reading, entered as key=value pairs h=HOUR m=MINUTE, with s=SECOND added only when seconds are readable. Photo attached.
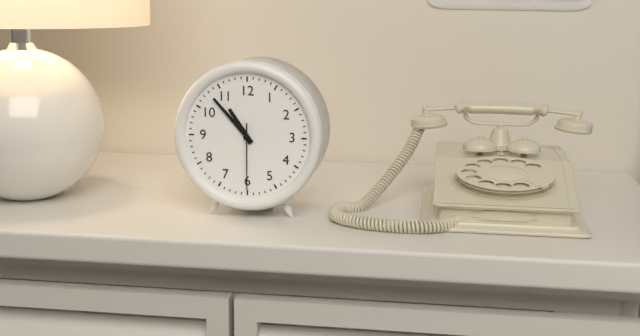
h=10 m=53 s=30
